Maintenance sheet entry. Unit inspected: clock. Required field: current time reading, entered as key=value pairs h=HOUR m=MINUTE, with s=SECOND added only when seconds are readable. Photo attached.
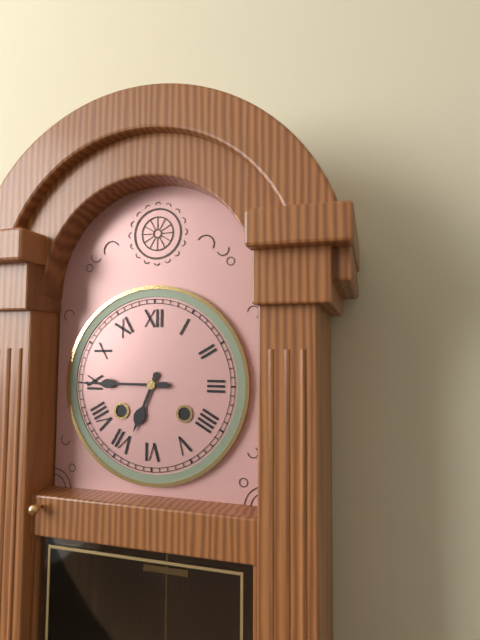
h=6 m=45
